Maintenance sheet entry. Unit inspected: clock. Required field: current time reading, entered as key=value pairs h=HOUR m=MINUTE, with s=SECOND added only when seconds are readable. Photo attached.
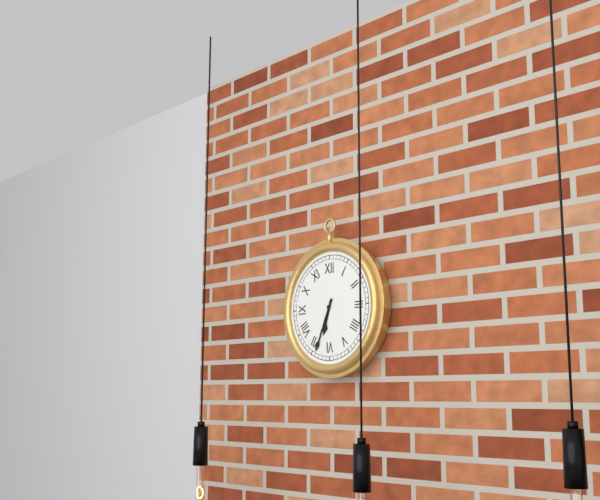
h=6 m=34
